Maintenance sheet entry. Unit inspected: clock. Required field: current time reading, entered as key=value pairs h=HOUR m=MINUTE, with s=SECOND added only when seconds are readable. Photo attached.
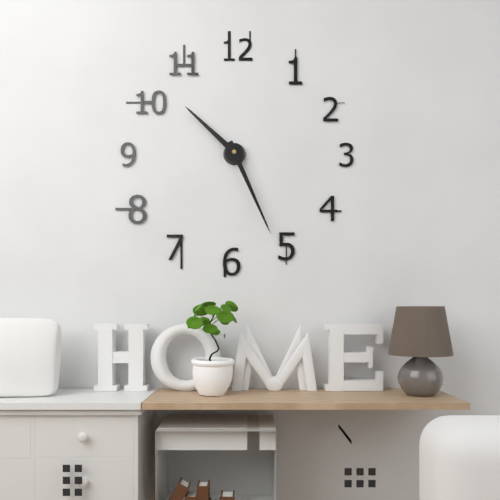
h=10 m=26
